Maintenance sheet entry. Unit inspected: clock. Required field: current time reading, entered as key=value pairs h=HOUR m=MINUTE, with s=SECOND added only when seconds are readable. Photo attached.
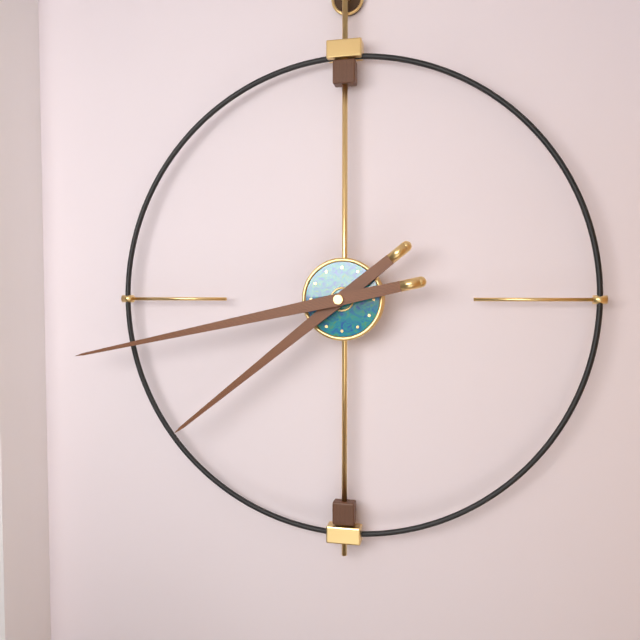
h=7 m=43
